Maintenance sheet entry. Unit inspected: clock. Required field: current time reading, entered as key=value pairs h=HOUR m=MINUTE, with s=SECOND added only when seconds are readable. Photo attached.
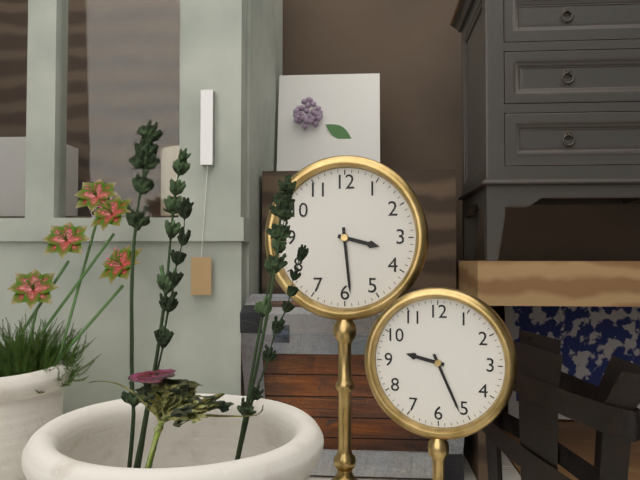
h=3 m=29
